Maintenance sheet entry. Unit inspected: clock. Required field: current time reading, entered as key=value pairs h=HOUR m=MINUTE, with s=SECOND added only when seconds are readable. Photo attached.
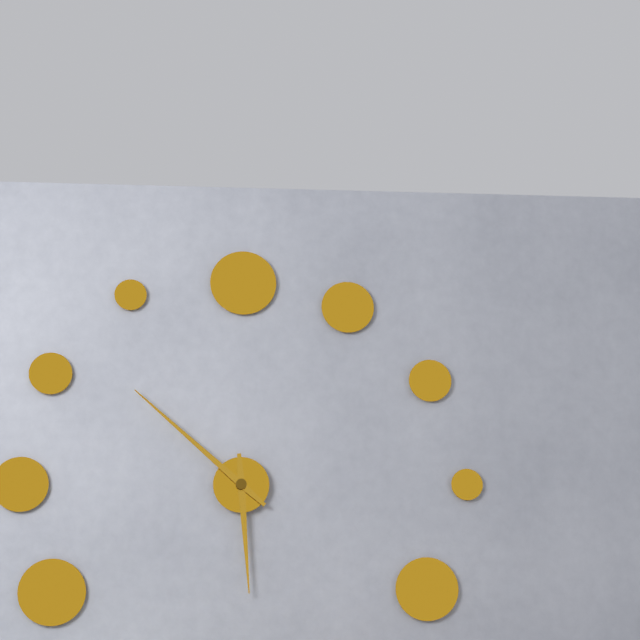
h=5 m=52
